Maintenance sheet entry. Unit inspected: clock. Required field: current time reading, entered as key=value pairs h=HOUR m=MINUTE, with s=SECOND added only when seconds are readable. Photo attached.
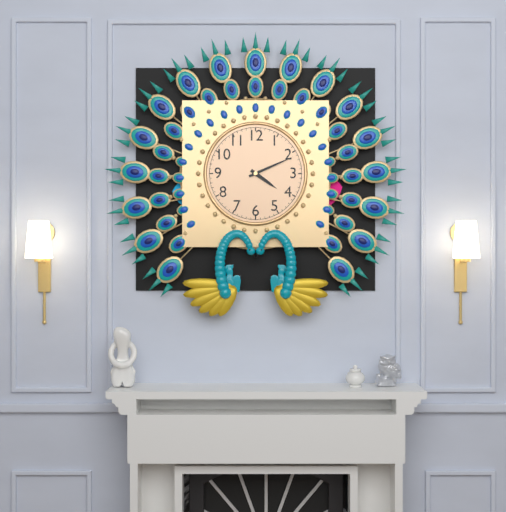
h=4 m=11
